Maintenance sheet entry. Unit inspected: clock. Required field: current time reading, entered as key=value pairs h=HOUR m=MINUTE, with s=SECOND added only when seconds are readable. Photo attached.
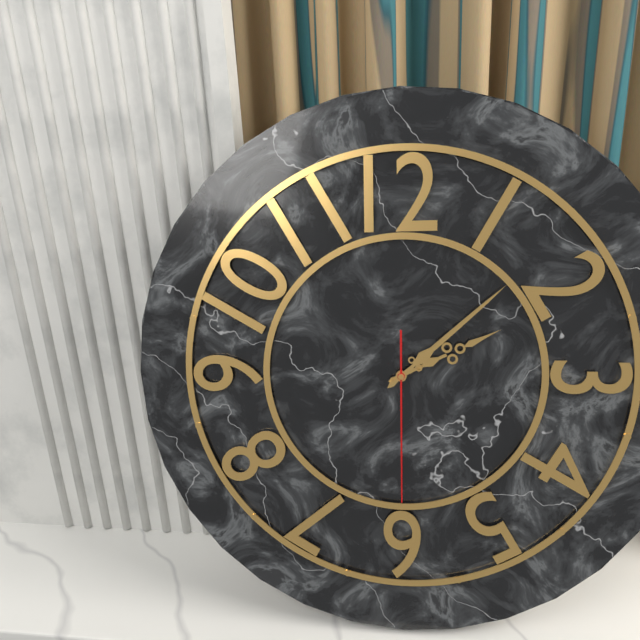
h=2 m=8 s=30
